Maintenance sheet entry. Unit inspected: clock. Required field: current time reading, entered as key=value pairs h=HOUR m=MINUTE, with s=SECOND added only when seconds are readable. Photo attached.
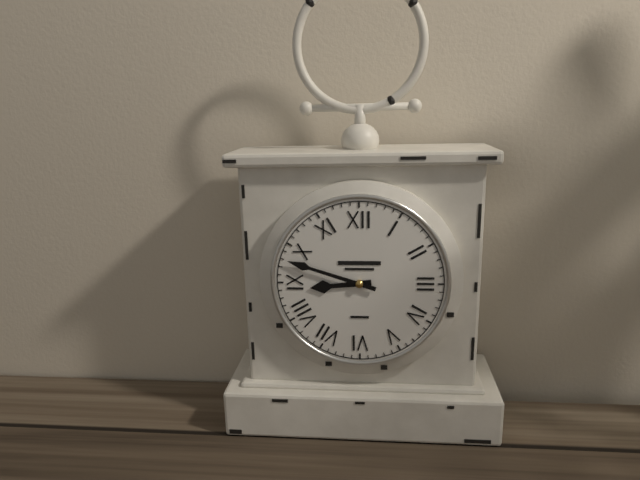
h=8 m=48
